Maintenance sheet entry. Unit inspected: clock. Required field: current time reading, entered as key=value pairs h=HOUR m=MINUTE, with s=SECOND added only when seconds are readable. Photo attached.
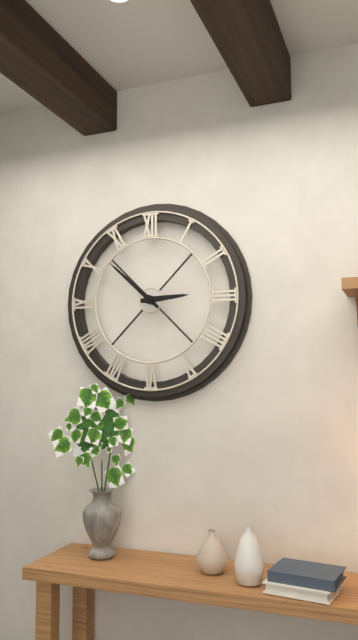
h=2 m=52
